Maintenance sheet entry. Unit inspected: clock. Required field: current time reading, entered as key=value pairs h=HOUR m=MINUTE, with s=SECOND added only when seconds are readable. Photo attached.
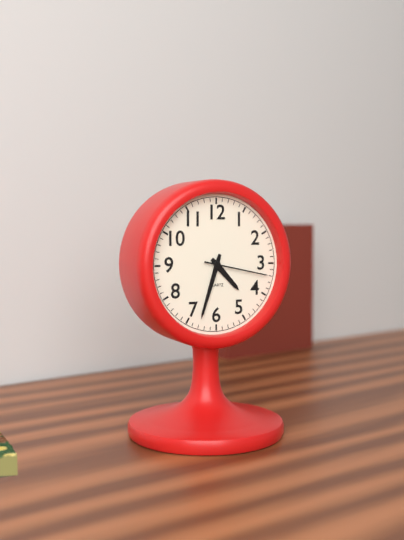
h=4 m=33 s=17
